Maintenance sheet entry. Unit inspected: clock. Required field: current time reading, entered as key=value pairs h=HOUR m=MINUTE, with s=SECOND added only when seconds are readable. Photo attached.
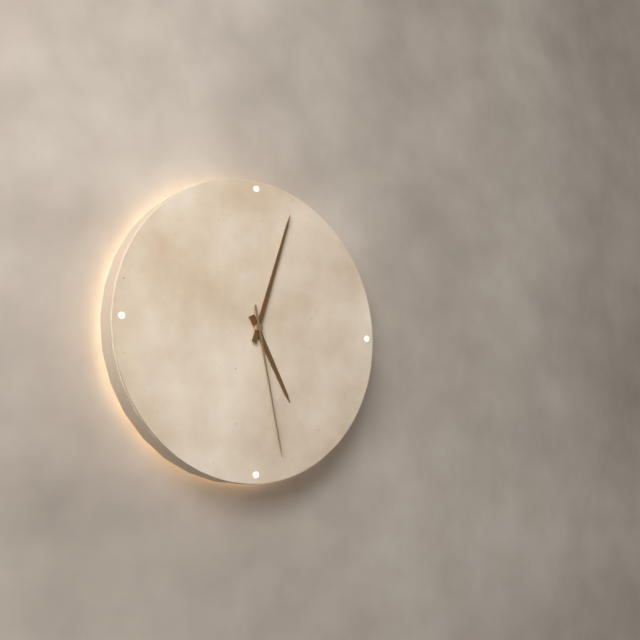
h=5 m=3 s=28
